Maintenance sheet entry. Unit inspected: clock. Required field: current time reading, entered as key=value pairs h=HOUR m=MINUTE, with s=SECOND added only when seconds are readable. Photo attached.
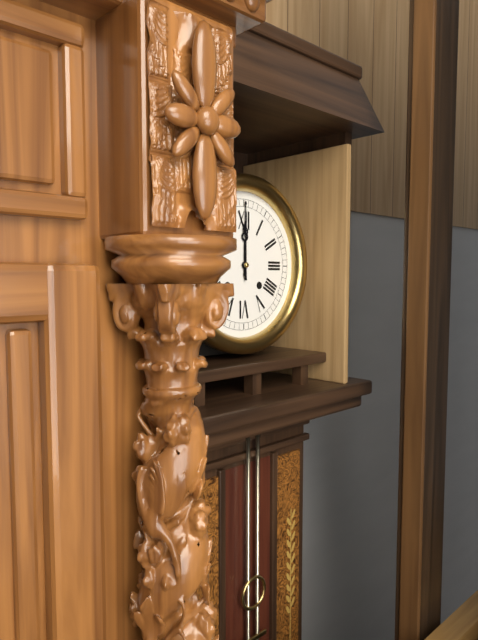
h=12 m=0
